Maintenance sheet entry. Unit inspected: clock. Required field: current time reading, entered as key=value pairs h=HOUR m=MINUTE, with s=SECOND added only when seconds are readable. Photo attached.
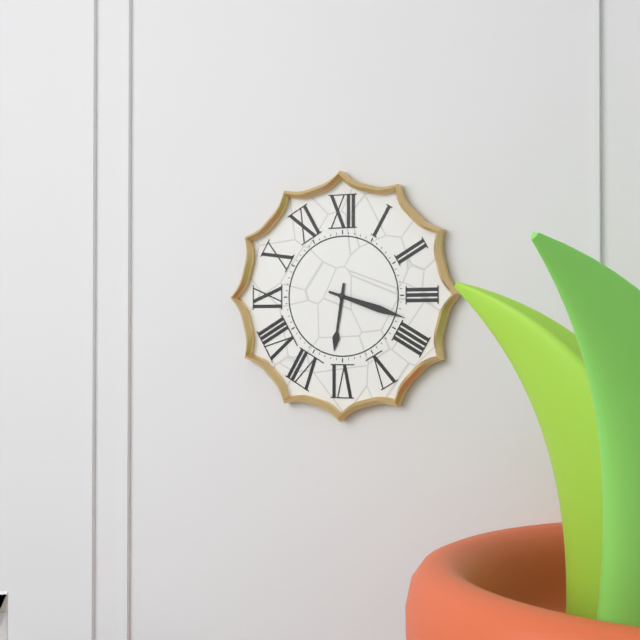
h=6 m=18
